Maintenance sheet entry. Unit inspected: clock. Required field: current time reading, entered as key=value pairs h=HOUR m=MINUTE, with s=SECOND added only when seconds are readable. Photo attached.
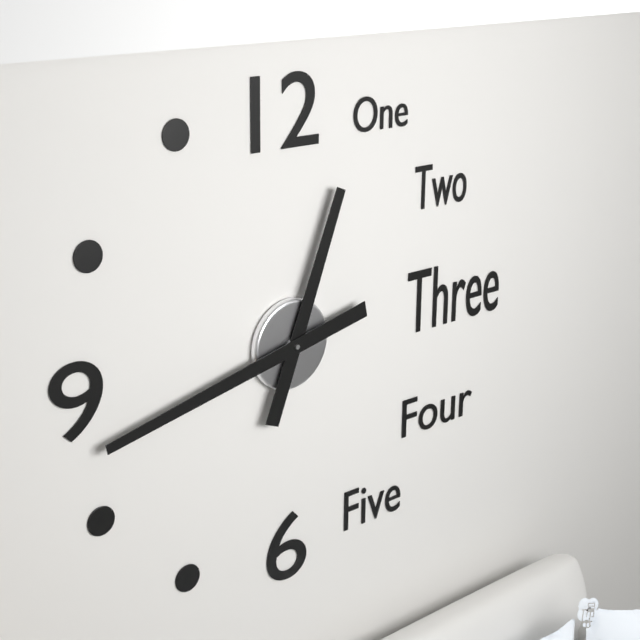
h=12 m=43
